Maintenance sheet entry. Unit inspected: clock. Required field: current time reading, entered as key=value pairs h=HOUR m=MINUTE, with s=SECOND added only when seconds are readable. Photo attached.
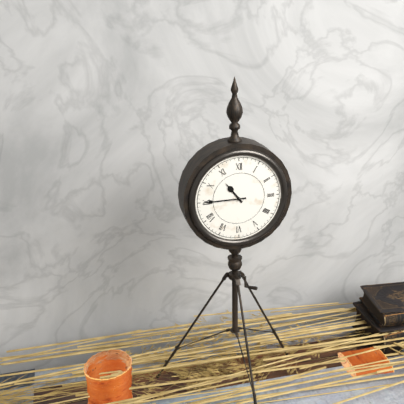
h=10 m=45
